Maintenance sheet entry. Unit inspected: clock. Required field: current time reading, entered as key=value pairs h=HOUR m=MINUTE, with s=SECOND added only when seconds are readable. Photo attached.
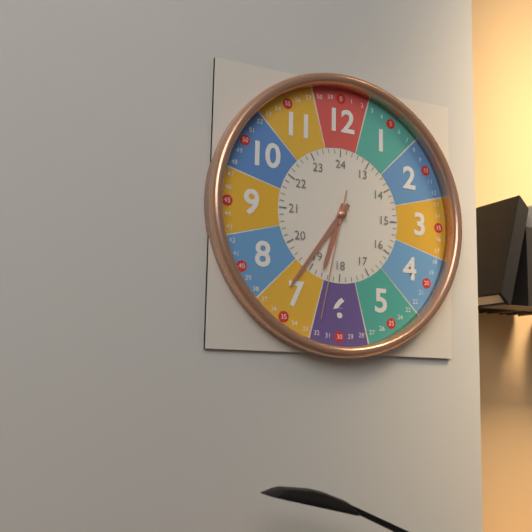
h=6 m=36 s=32
